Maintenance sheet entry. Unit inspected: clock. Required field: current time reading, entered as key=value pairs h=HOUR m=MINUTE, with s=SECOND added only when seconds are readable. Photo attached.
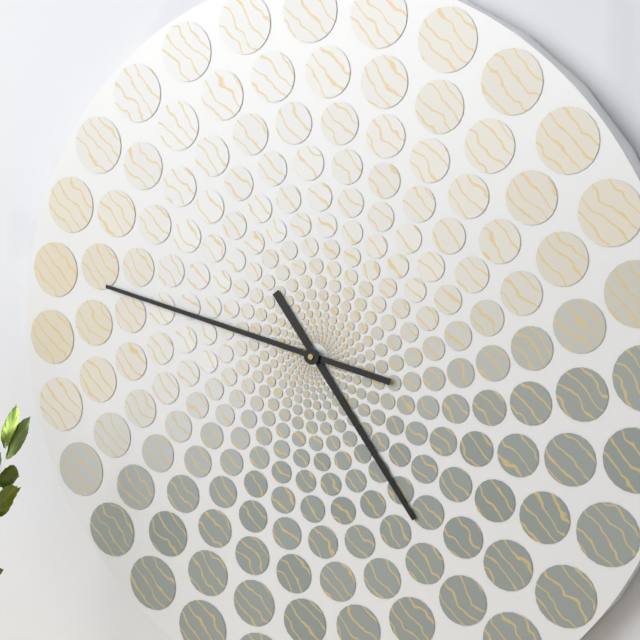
h=4 m=47
